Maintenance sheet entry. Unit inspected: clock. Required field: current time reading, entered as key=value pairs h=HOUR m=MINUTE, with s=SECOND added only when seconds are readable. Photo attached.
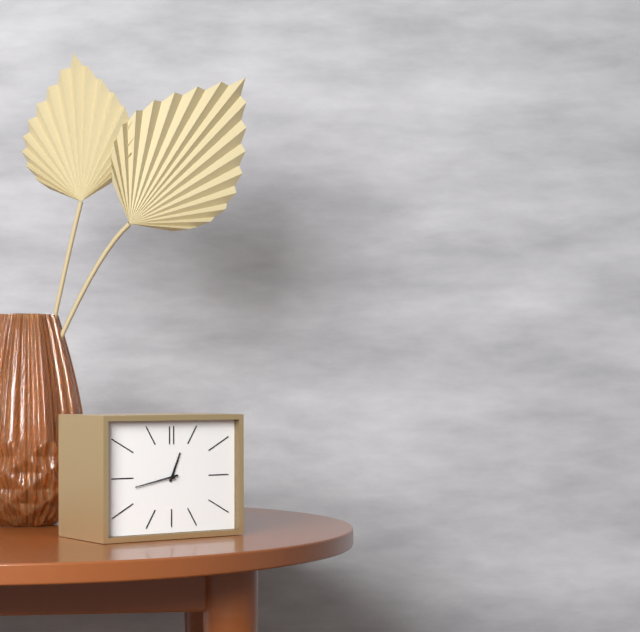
h=12 m=43
